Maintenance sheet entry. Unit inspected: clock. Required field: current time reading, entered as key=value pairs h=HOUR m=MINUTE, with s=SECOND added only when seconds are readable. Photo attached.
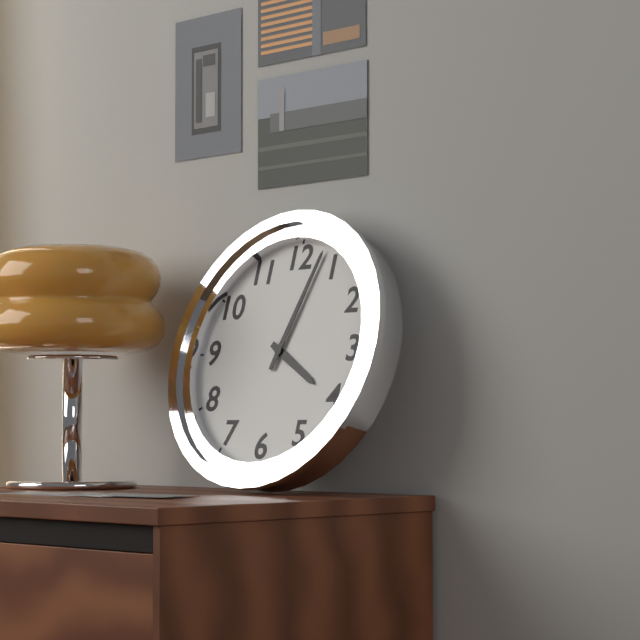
h=4 m=3
